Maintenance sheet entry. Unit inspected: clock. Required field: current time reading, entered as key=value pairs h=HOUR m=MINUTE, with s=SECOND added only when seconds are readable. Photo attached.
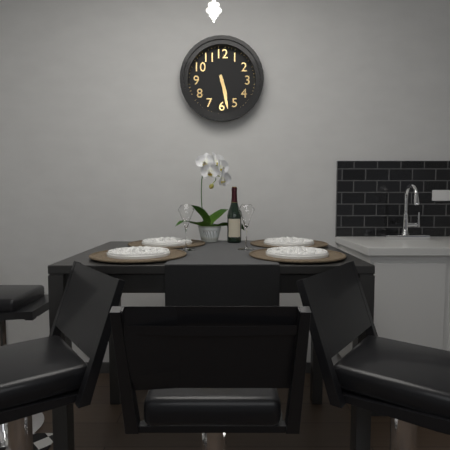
h=5 m=28
